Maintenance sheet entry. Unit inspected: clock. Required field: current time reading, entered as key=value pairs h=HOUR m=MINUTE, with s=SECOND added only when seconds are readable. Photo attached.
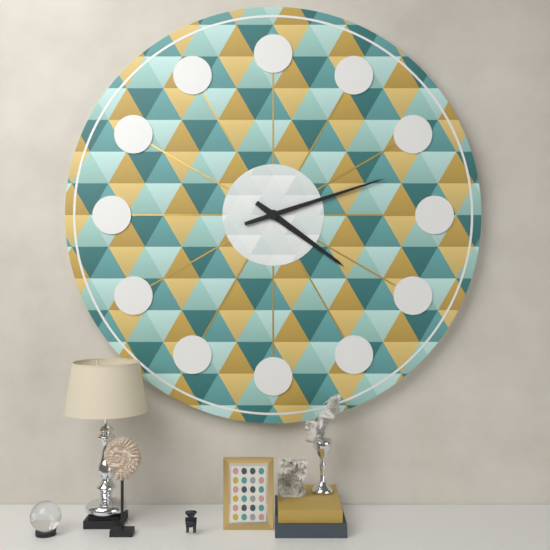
h=4 m=12
